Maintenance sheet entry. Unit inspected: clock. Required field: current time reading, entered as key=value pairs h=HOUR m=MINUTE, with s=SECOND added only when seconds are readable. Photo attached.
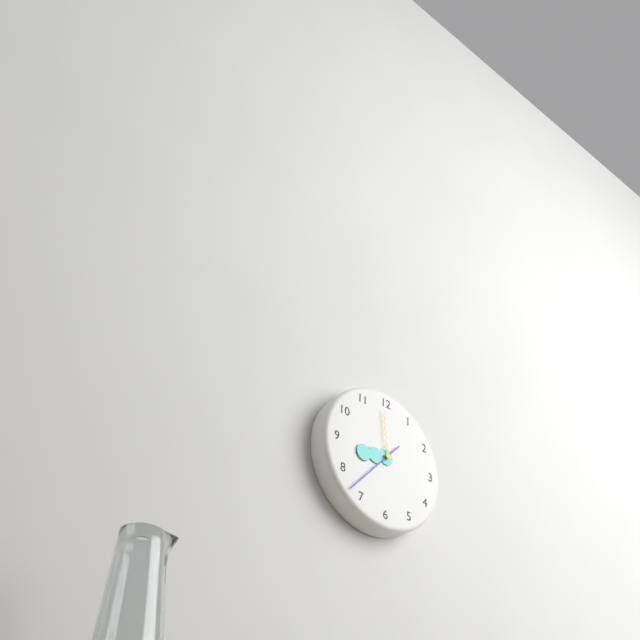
h=8 m=37 s=59
